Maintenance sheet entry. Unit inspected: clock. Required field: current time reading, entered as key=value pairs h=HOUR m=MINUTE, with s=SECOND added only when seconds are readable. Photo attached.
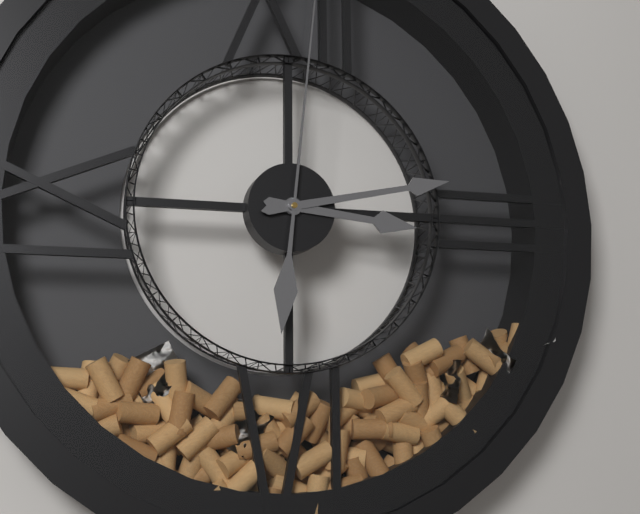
h=3 m=13
